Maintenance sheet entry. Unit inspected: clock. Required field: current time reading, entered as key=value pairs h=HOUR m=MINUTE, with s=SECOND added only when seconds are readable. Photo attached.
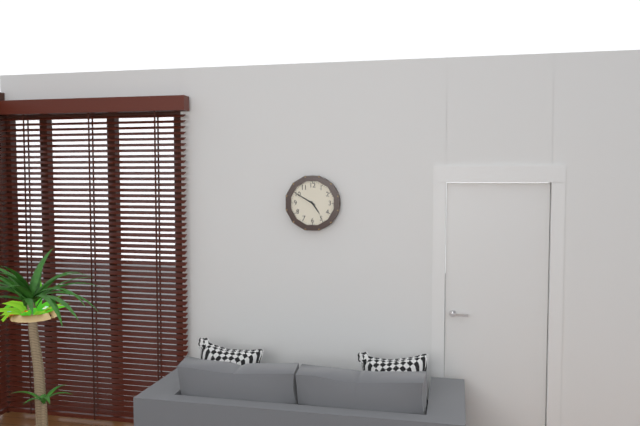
h=4 m=50
